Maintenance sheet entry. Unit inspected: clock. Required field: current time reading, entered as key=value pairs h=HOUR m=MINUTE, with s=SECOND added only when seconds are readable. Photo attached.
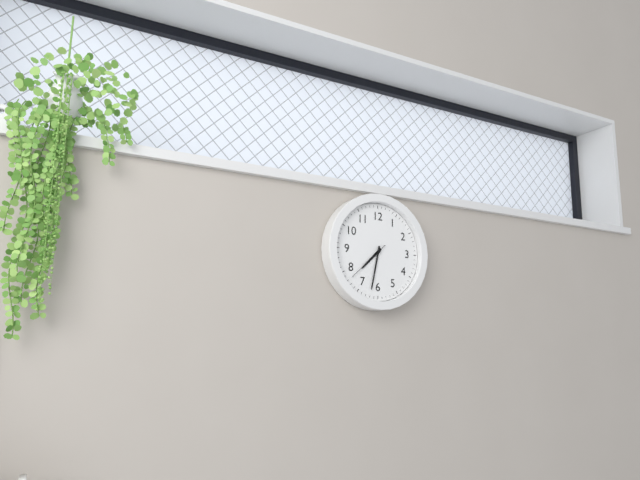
h=7 m=32
